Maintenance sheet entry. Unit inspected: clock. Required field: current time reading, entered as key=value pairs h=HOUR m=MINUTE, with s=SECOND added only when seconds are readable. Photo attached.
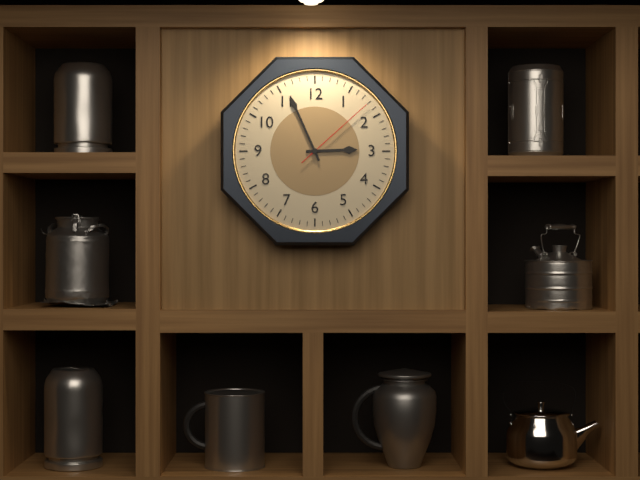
h=2 m=56 s=8
